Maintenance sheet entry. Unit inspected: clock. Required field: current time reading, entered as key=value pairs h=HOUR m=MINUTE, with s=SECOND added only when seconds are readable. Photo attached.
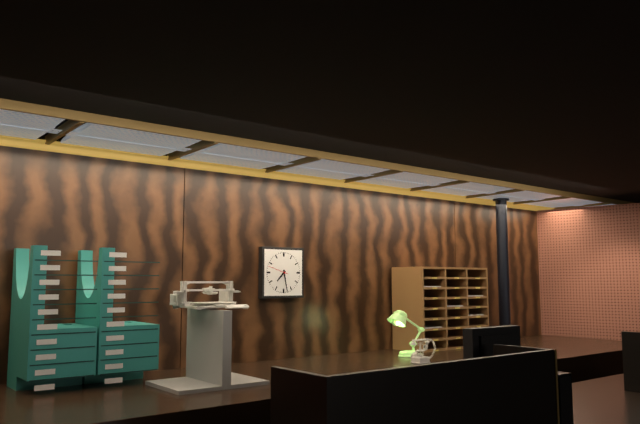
h=7 m=28
